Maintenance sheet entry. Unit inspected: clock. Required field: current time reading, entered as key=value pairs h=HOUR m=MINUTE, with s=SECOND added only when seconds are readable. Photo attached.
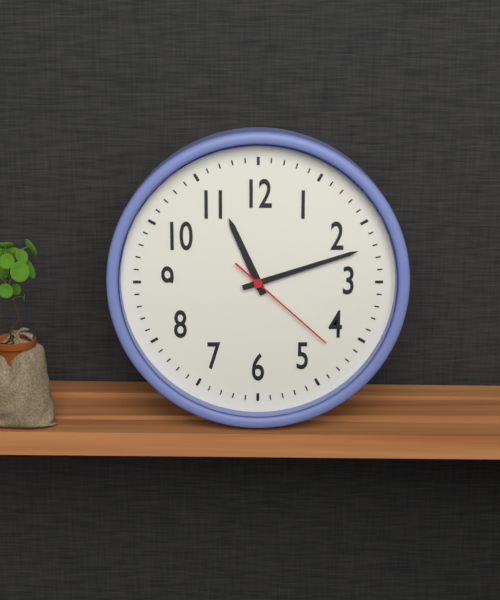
h=11 m=12 s=22
